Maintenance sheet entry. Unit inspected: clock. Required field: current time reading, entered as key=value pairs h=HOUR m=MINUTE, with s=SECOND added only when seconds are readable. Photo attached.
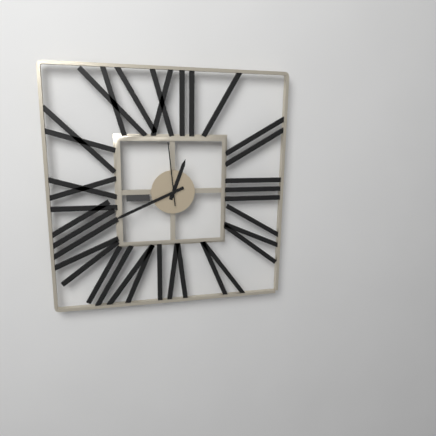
h=12 m=41 s=59
